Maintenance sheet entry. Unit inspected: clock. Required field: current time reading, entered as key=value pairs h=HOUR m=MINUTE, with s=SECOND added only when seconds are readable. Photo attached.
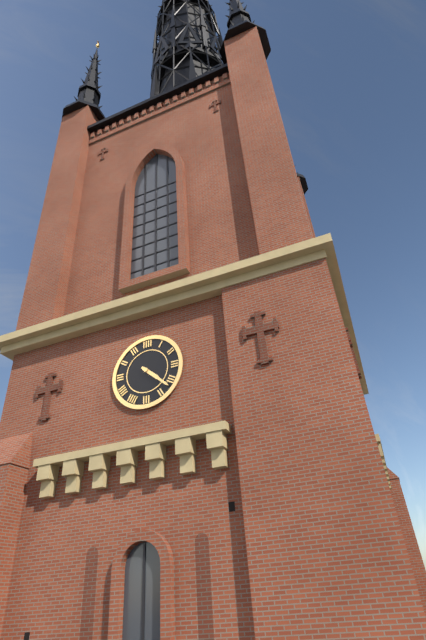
h=4 m=22
